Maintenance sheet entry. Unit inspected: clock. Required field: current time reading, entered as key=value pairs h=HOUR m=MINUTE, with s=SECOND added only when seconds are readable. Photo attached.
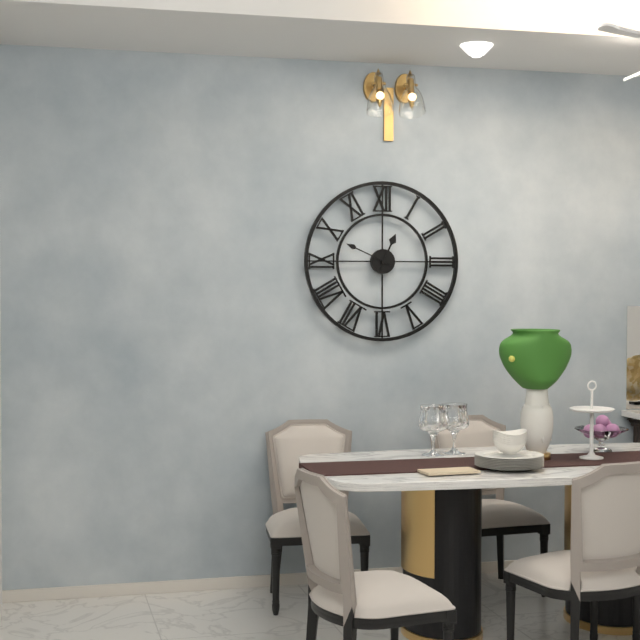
h=12 m=49
